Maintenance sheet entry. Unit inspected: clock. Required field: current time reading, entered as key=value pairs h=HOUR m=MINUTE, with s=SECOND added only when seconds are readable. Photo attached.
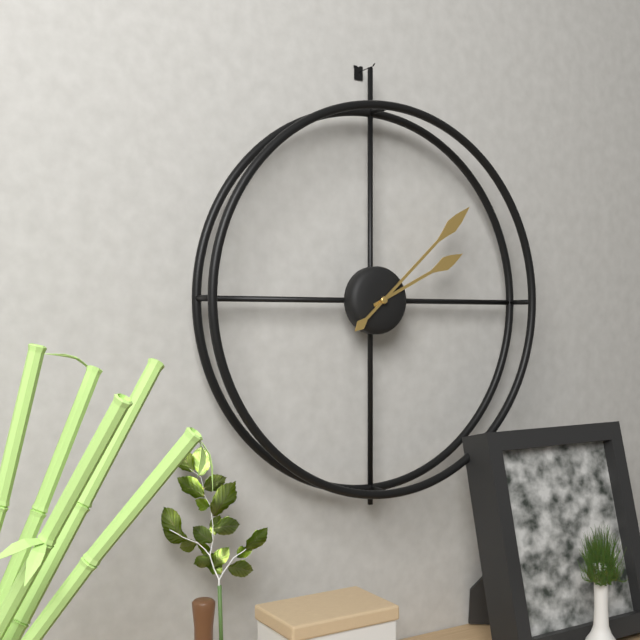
h=2 m=8
